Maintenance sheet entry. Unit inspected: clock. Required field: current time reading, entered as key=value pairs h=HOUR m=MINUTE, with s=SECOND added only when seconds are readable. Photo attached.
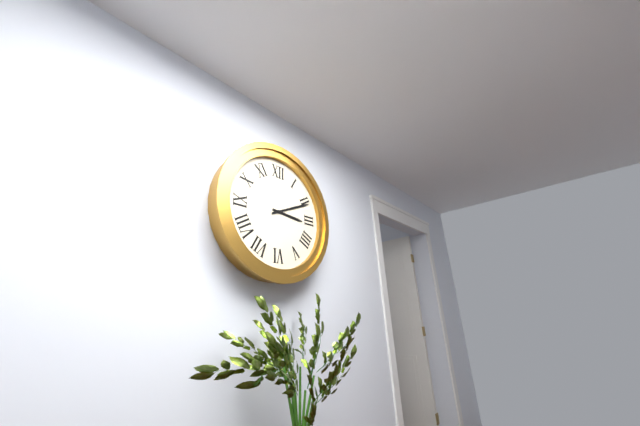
h=3 m=11
